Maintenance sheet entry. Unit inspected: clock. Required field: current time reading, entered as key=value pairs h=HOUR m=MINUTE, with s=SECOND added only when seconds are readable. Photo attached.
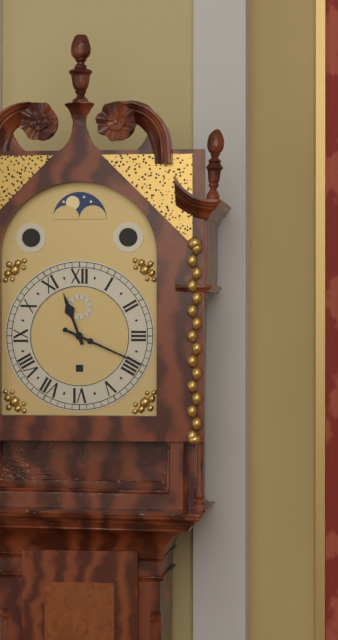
h=11 m=19
